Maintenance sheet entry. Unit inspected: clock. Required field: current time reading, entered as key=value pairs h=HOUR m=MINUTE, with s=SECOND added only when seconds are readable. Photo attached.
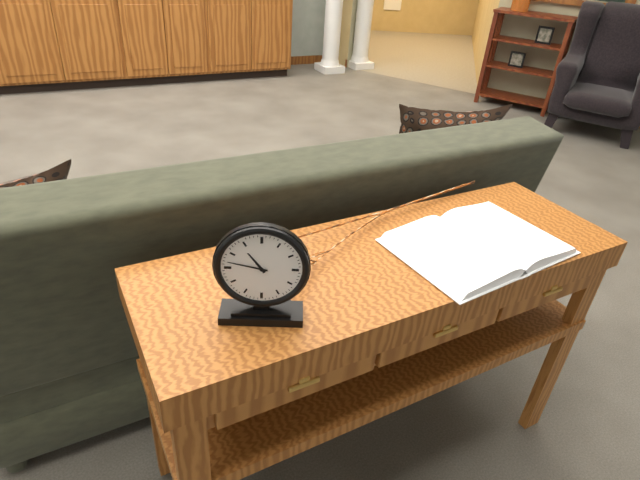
h=10 m=47
